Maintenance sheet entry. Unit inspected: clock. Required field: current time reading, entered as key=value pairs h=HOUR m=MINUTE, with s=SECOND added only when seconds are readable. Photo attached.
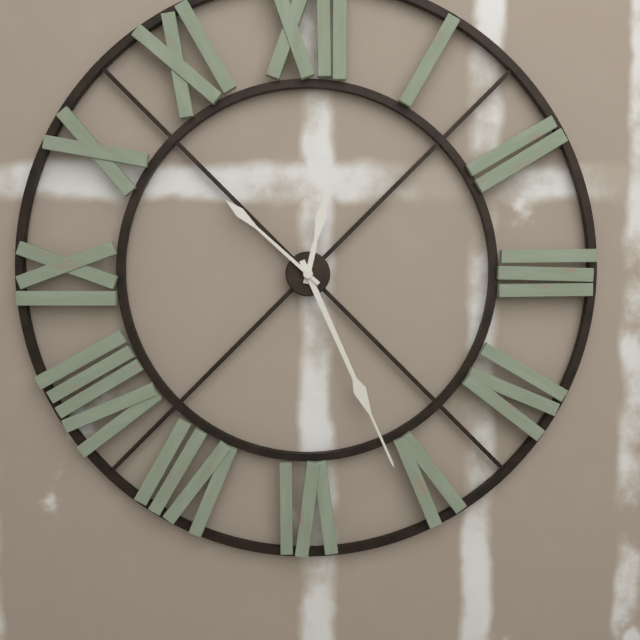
h=12 m=26 s=52
